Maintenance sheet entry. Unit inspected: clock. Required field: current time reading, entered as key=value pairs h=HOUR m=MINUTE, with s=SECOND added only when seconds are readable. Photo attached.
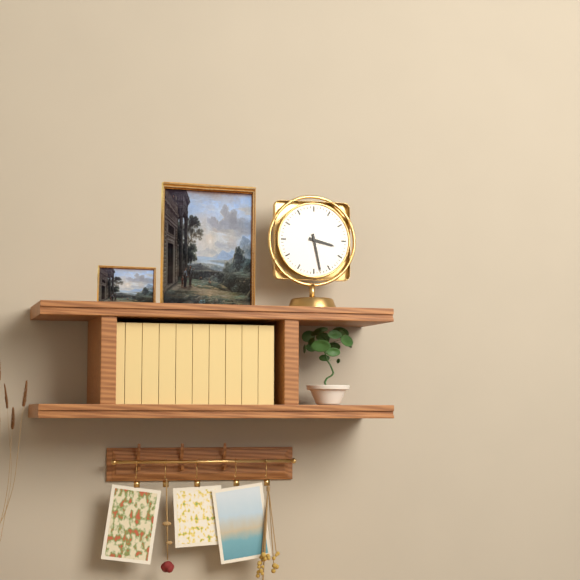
h=3 m=28
